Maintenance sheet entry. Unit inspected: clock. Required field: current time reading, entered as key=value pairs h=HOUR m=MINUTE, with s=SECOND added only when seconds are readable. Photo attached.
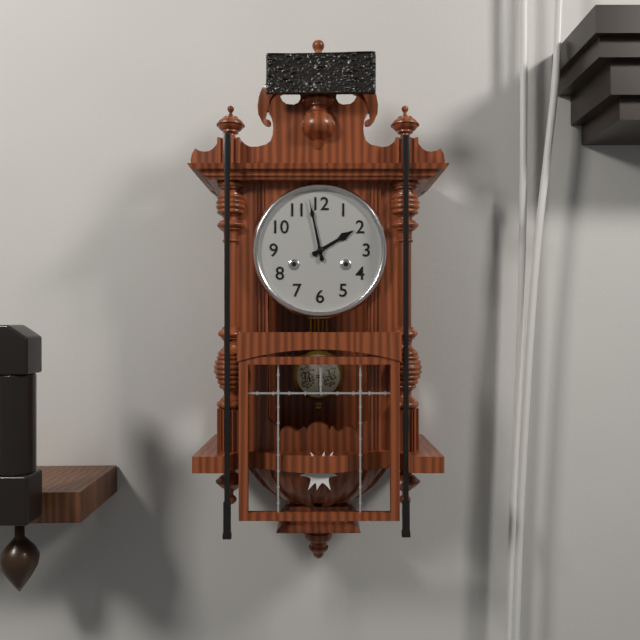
h=1 m=58
